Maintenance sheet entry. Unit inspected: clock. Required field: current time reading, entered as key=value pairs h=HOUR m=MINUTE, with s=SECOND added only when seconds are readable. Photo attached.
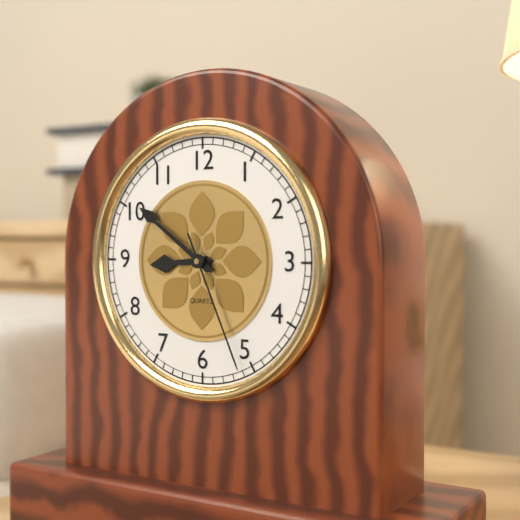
h=8 m=51 s=26
